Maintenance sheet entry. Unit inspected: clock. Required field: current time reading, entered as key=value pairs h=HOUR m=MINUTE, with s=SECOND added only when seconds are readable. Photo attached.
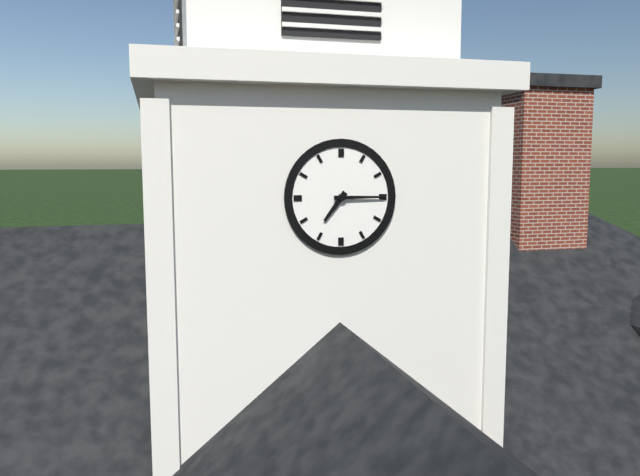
h=7 m=15
